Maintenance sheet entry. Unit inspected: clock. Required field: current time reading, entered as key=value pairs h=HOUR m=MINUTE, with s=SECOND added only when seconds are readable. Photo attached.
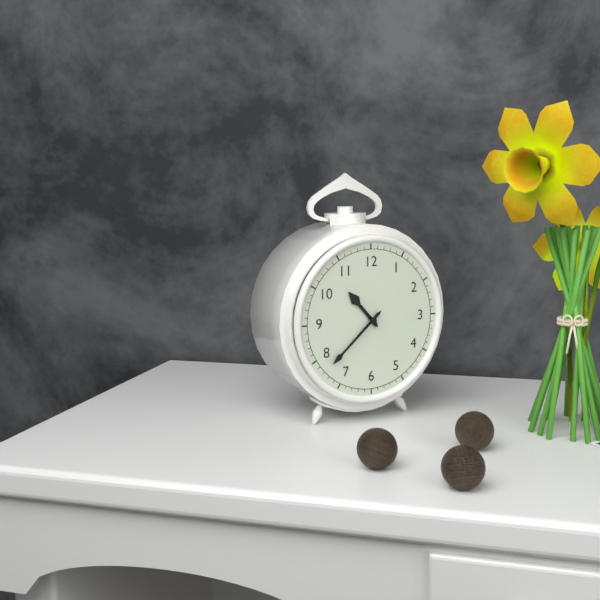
h=10 m=38
